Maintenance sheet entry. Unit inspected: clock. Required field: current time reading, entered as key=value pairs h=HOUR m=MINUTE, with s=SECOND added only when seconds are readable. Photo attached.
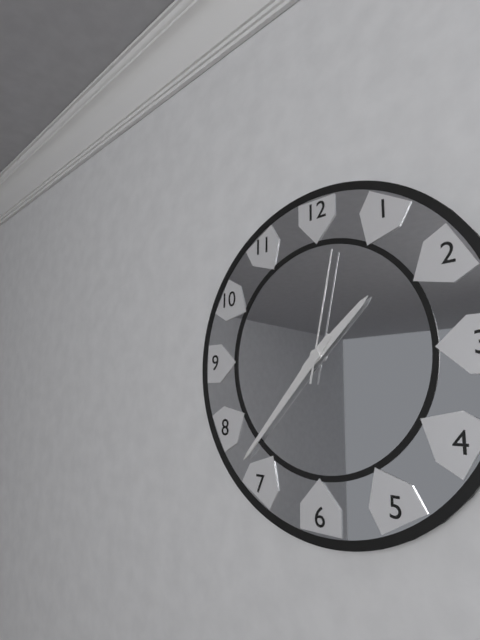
h=1 m=37 s=2
